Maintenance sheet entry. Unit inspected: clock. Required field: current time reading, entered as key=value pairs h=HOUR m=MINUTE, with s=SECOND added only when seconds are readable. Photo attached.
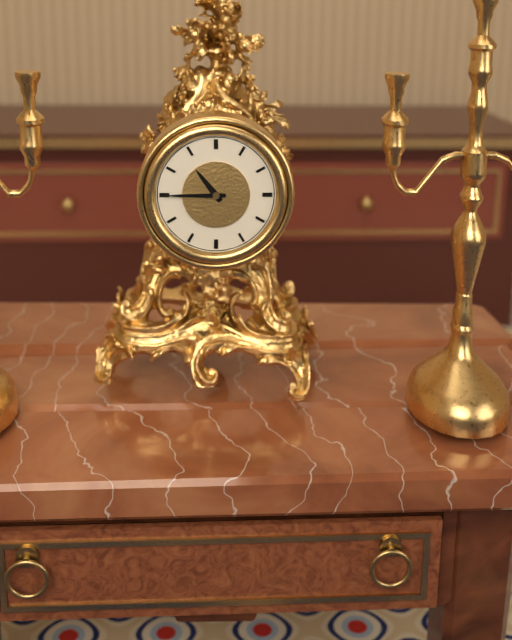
h=10 m=45
